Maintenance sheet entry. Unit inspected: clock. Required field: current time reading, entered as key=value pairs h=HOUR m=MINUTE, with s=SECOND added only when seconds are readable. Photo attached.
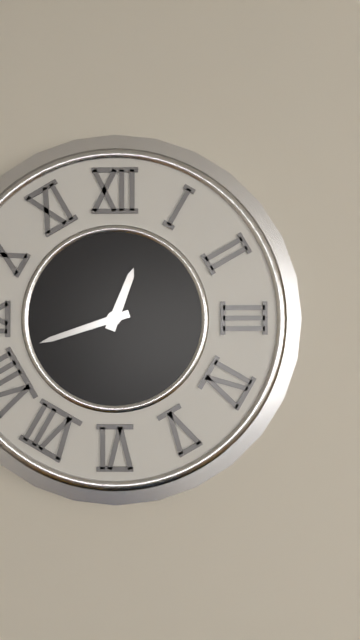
h=12 m=42
